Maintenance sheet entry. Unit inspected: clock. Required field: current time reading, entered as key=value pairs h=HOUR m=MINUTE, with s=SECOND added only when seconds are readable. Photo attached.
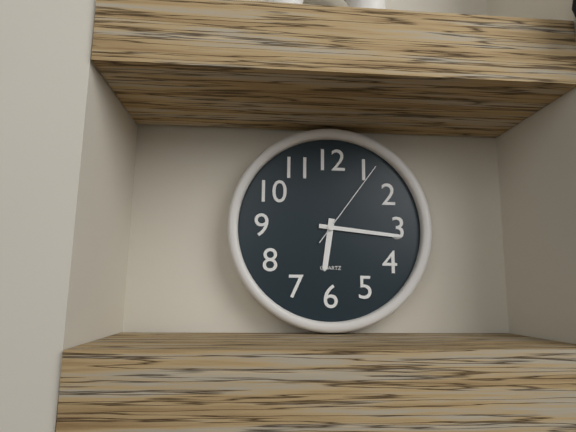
h=6 m=16 s=6
